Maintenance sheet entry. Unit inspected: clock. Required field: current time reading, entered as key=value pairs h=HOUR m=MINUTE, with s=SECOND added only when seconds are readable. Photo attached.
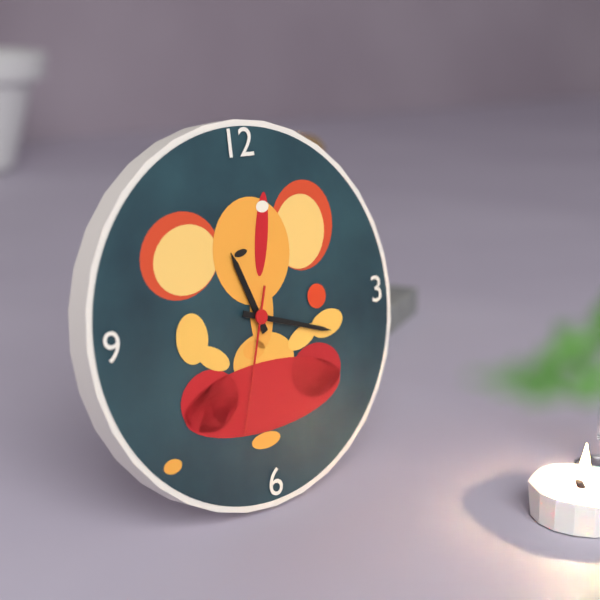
h=11 m=18 s=33
